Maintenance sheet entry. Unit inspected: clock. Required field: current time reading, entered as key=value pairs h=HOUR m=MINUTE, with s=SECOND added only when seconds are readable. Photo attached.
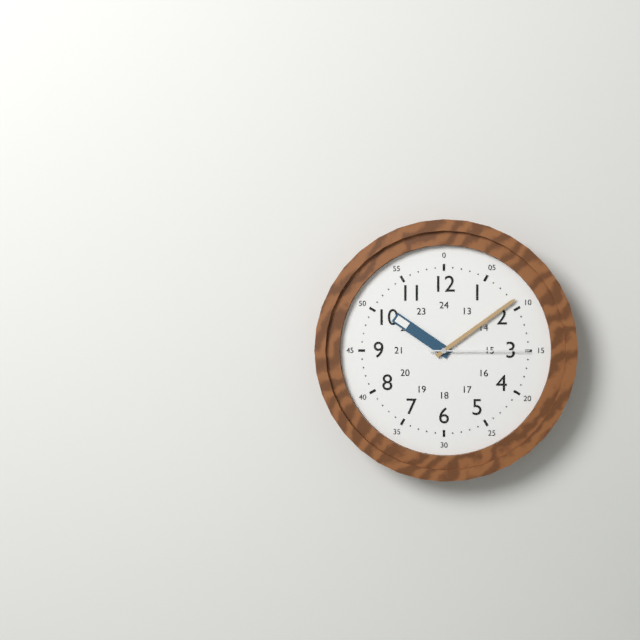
h=10 m=9 s=15
